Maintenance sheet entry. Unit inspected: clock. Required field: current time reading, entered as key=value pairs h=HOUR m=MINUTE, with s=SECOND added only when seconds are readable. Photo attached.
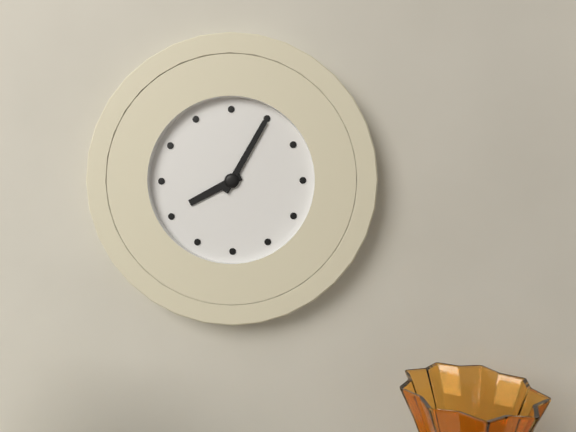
h=8 m=5
